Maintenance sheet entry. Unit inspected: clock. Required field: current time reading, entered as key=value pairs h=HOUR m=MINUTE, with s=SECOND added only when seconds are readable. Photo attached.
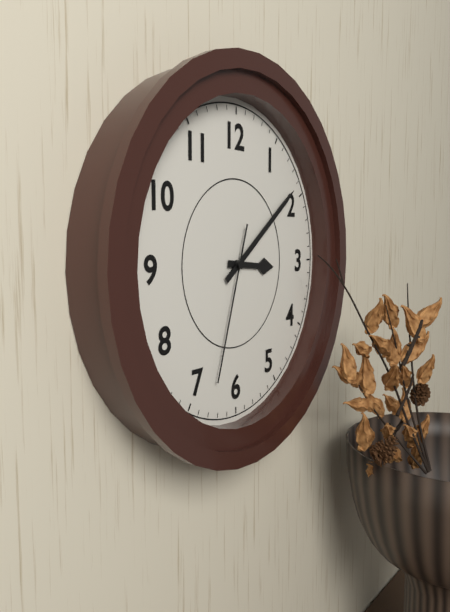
h=3 m=9 s=33
